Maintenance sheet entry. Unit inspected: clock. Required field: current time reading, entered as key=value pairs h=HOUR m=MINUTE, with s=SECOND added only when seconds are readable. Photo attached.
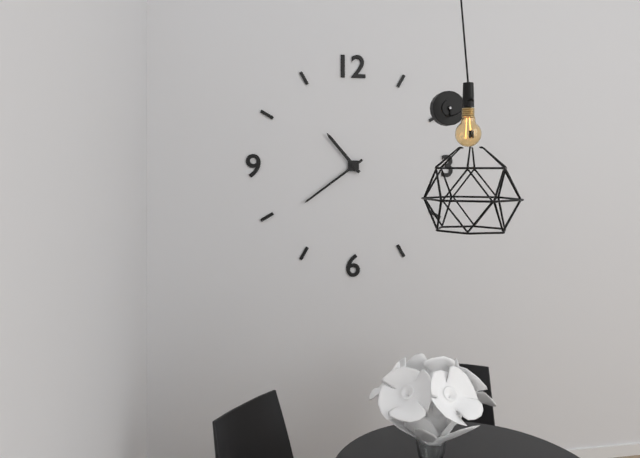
h=10 m=39
